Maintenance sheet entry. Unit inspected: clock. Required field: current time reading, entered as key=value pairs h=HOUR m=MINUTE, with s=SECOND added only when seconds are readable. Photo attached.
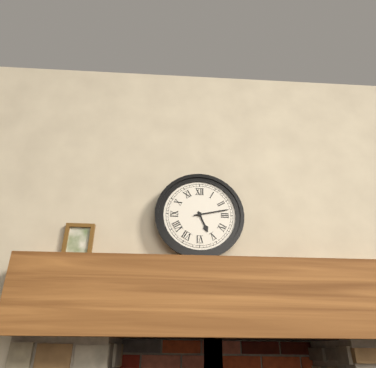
h=5 m=13
